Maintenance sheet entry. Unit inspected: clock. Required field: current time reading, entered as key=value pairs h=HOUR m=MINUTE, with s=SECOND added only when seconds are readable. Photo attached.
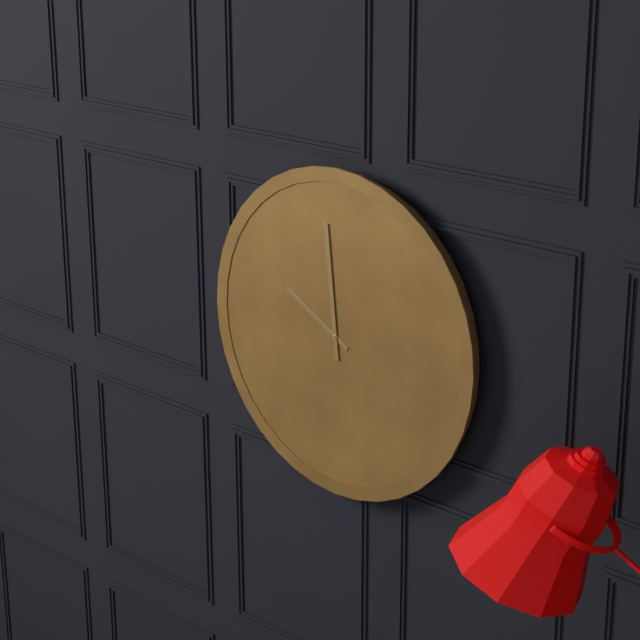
h=9 m=59
